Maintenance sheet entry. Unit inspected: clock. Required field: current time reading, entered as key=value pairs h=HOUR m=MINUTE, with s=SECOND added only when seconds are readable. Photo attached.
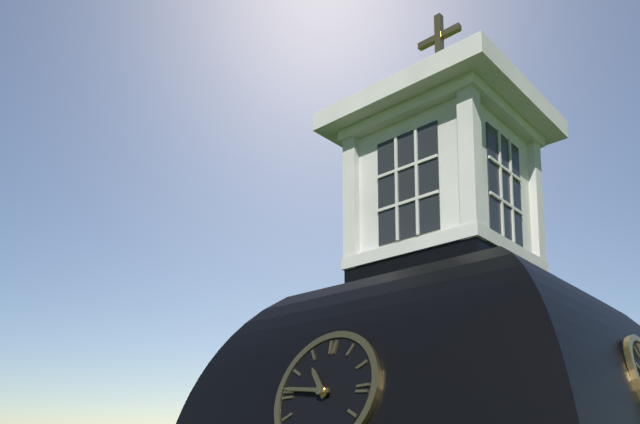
h=10 m=46
